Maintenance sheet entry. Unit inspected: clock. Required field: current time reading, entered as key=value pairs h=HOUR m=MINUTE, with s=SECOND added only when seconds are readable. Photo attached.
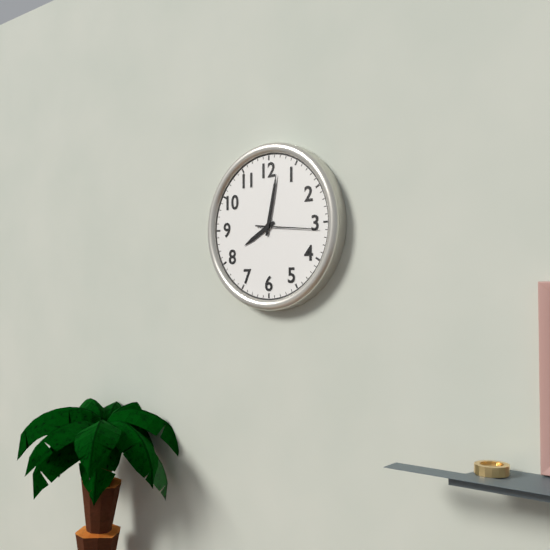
h=8 m=2 s=16
